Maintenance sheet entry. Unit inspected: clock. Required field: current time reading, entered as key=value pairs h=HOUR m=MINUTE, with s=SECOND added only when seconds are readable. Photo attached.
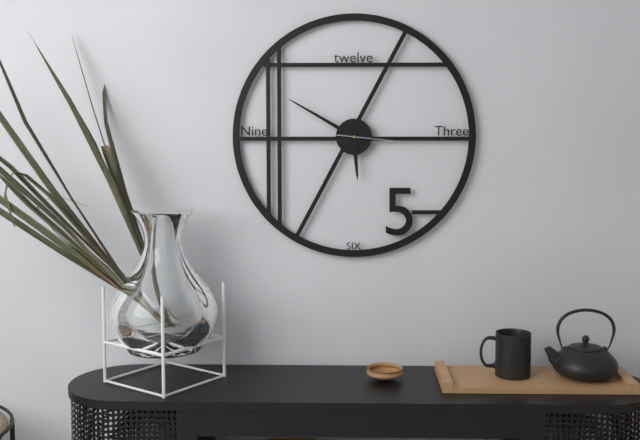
h=5 m=50 s=16
